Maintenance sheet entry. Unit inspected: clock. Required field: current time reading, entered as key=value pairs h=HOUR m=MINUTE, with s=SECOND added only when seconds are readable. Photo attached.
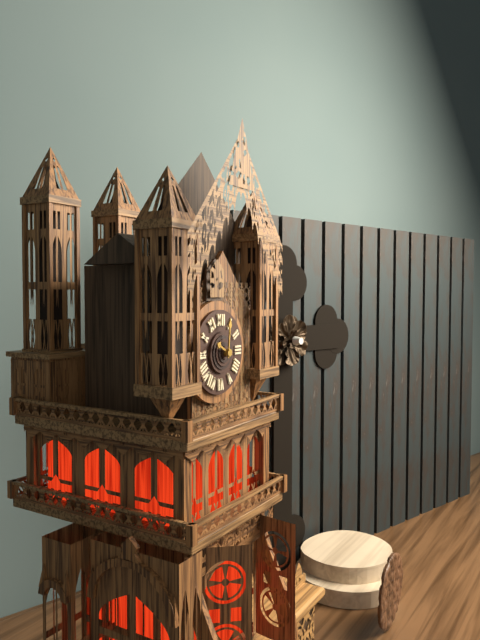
h=10 m=1
